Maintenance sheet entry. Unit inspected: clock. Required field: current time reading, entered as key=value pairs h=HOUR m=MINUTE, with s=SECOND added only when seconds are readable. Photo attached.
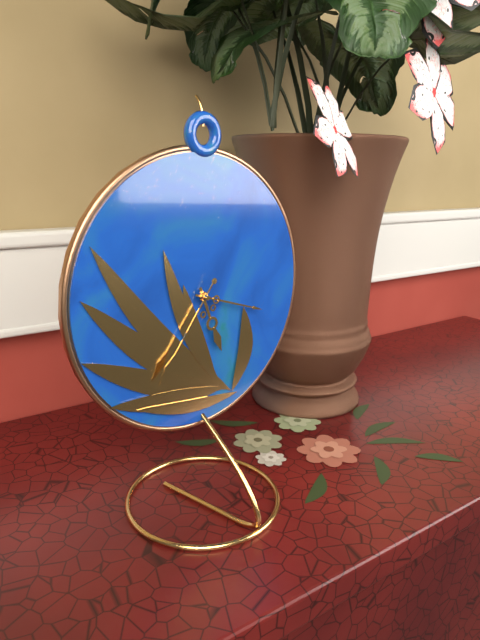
h=5 m=18 s=36
